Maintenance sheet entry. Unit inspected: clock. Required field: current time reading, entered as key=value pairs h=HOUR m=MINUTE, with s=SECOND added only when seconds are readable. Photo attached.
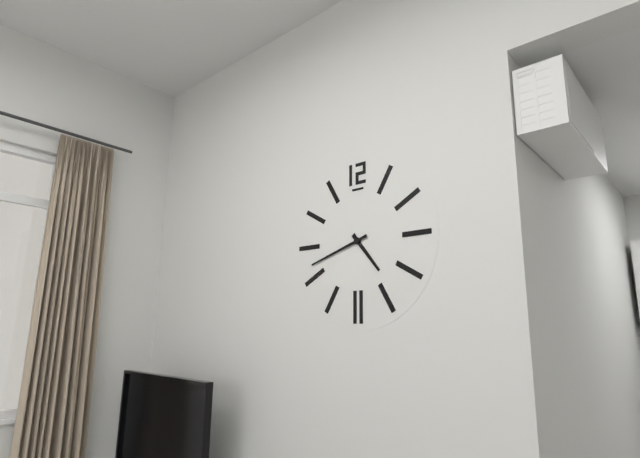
h=4 m=42
